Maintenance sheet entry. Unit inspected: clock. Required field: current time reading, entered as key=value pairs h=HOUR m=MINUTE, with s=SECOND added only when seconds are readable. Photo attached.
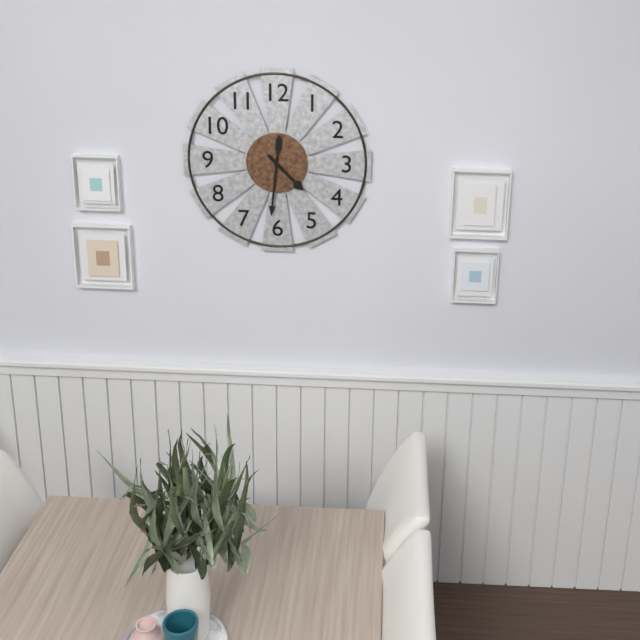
h=4 m=31
